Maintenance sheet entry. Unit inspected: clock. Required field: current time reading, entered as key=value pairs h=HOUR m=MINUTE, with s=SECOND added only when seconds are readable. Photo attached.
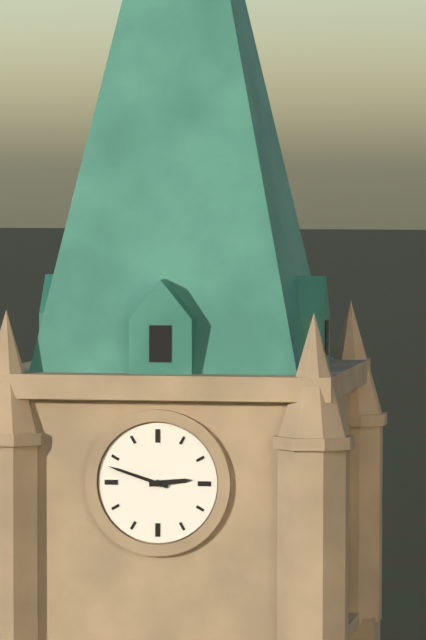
h=2 m=48
